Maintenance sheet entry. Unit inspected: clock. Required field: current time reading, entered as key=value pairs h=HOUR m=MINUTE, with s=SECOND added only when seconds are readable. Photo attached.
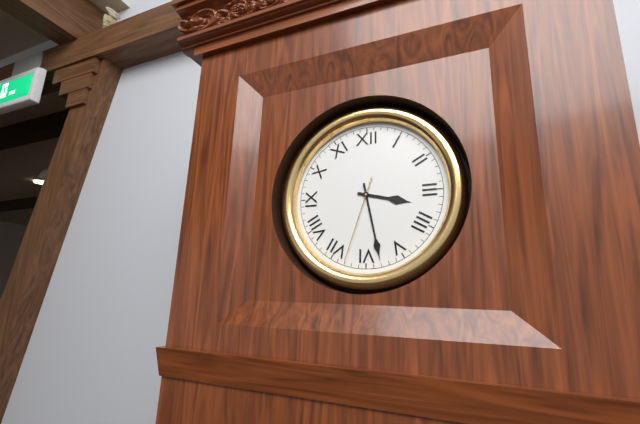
h=3 m=28 s=33
